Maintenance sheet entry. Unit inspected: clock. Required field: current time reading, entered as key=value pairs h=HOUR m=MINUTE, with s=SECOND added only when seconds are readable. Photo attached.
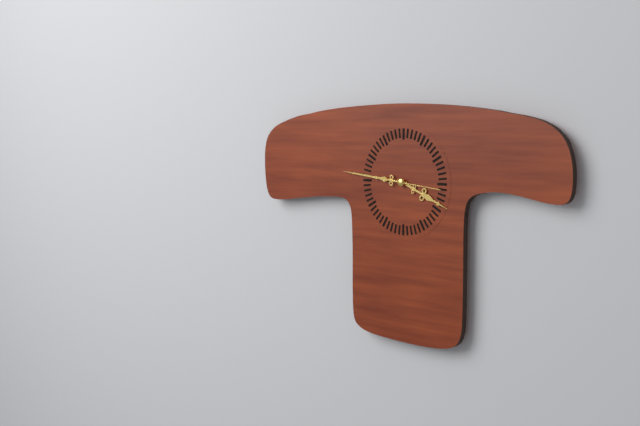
h=3 m=46
